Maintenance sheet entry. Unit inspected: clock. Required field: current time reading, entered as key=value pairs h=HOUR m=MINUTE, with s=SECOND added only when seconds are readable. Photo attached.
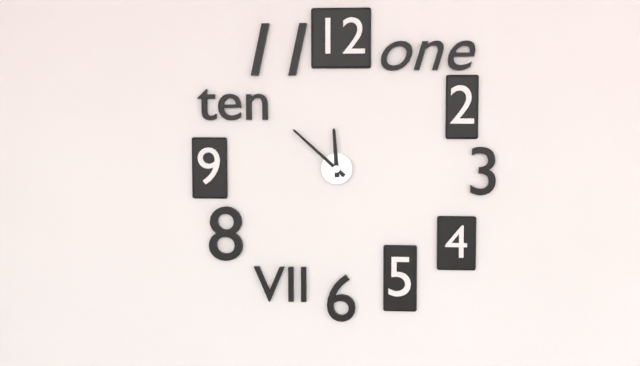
h=11 m=52
